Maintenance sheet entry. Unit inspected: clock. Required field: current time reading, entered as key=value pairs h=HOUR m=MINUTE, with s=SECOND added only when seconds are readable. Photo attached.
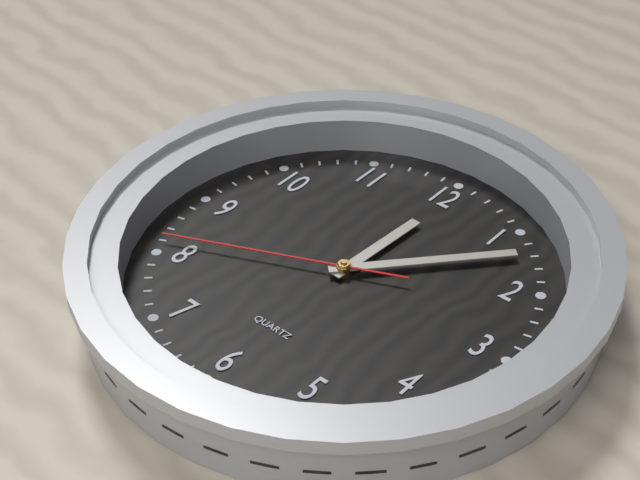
h=12 m=7 s=41
